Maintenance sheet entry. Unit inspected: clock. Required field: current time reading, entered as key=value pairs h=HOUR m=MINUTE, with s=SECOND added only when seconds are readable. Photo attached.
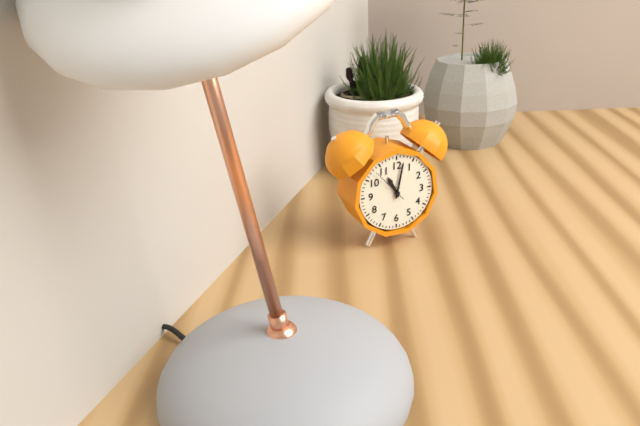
h=11 m=2
